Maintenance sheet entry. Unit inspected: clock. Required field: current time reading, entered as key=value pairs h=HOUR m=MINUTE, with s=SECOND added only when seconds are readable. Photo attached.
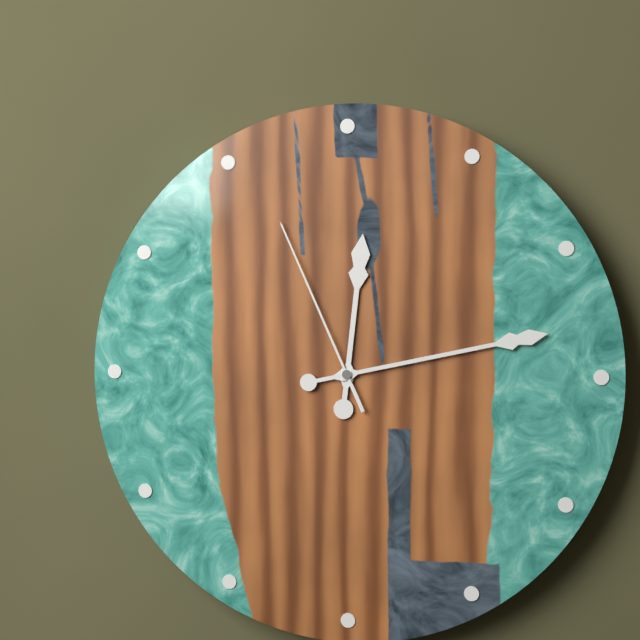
h=12 m=13 s=56
